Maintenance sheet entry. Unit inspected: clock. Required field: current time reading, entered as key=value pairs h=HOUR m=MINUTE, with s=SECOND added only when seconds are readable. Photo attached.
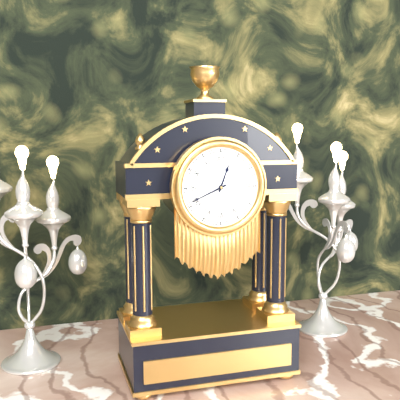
h=12 m=41
